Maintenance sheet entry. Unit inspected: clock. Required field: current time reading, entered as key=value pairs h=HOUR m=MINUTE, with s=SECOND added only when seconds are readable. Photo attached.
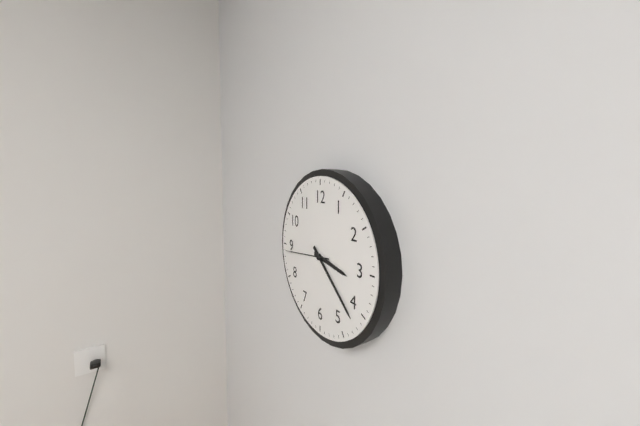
h=3 m=22
